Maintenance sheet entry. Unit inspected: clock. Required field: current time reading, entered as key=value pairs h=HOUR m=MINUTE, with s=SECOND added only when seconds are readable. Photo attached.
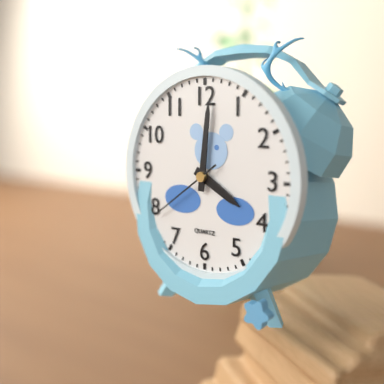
h=4 m=1 s=39
